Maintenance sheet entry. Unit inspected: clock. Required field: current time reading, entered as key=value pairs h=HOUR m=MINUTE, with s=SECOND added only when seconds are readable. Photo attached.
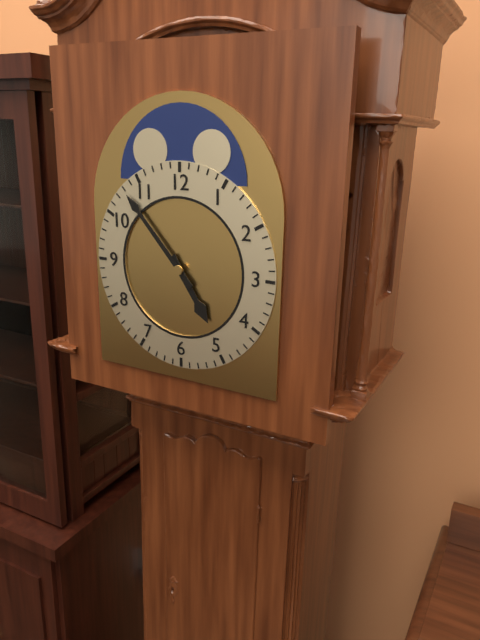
h=4 m=53
